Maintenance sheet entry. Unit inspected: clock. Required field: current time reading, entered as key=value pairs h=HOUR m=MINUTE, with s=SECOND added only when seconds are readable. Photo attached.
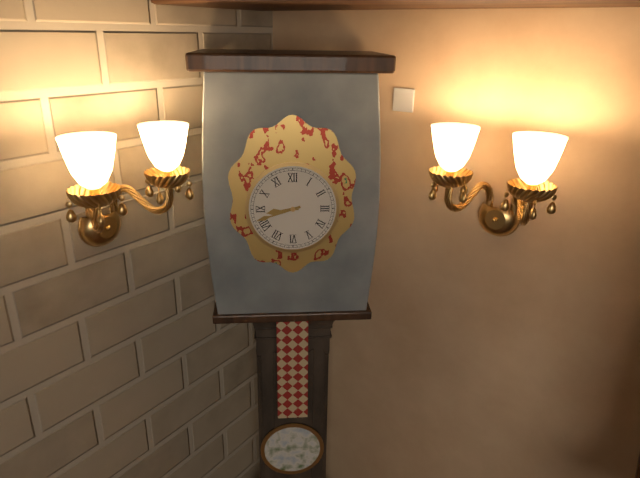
h=8 m=42
